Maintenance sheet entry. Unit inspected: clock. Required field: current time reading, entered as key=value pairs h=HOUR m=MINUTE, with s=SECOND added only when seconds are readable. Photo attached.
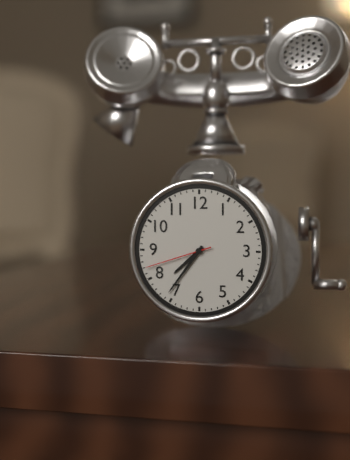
h=7 m=36 s=42
